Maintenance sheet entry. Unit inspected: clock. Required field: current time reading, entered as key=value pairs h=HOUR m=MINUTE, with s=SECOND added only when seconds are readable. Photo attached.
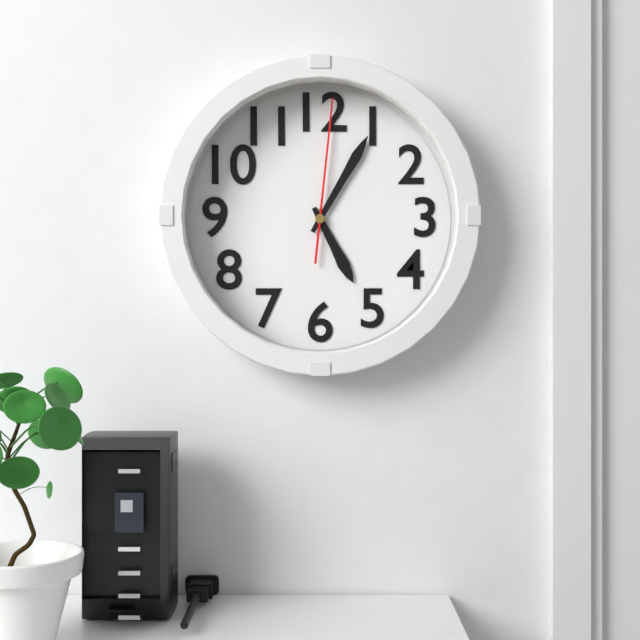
h=5 m=5 s=1
